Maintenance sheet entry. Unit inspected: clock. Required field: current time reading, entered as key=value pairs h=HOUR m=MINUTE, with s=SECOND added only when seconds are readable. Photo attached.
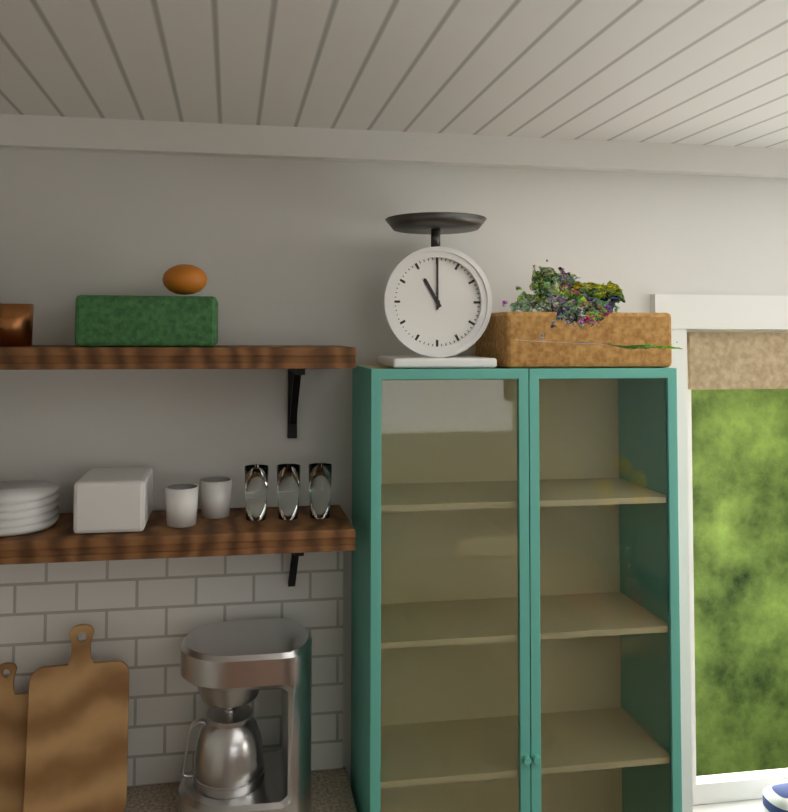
h=11 m=0
